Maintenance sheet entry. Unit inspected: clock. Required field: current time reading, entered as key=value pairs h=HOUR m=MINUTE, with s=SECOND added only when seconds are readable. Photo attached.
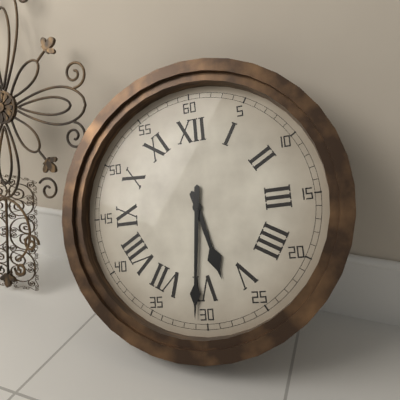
h=5 m=31
